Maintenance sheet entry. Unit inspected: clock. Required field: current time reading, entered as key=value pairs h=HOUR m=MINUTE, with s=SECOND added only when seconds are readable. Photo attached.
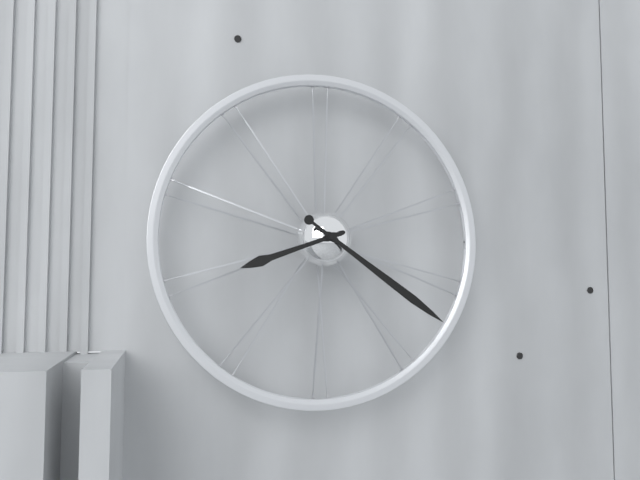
h=8 m=21
